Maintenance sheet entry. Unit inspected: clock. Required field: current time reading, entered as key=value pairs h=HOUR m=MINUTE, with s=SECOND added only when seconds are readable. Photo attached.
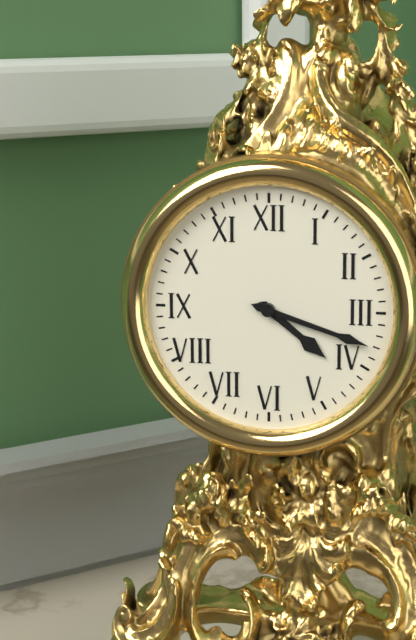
h=4 m=18
